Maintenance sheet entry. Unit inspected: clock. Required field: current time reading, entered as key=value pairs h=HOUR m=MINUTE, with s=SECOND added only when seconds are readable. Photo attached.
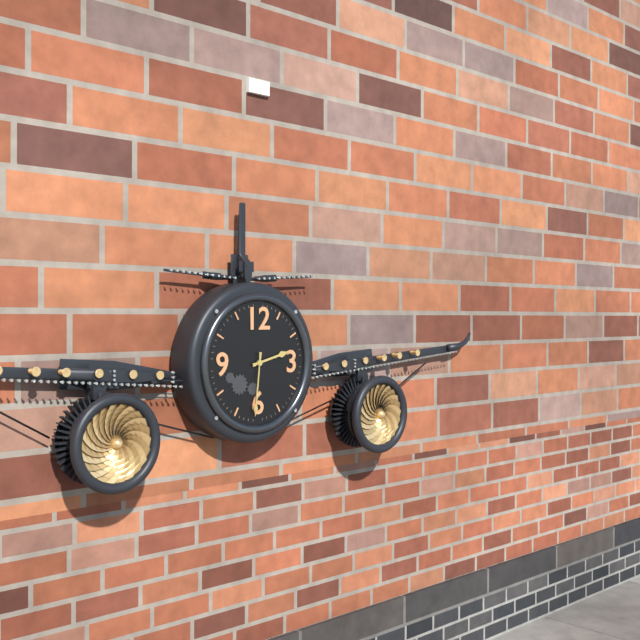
h=2 m=31
